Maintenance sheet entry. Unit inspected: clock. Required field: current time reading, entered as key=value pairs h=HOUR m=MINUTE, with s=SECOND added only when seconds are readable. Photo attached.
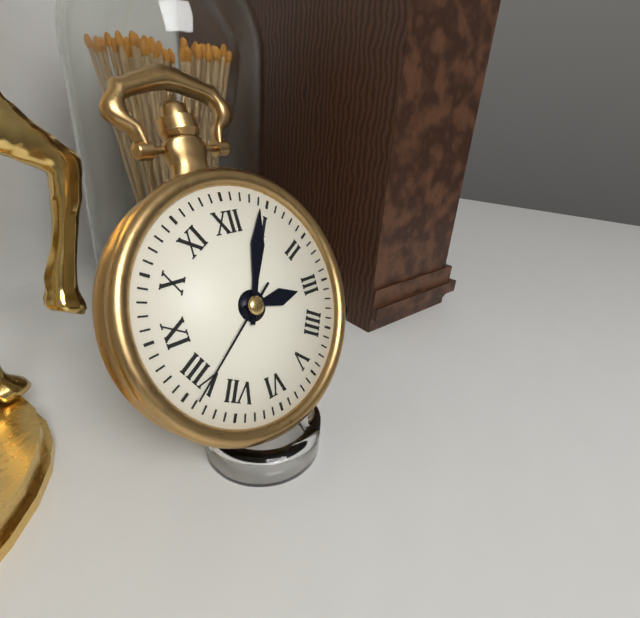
h=3 m=4 s=39
